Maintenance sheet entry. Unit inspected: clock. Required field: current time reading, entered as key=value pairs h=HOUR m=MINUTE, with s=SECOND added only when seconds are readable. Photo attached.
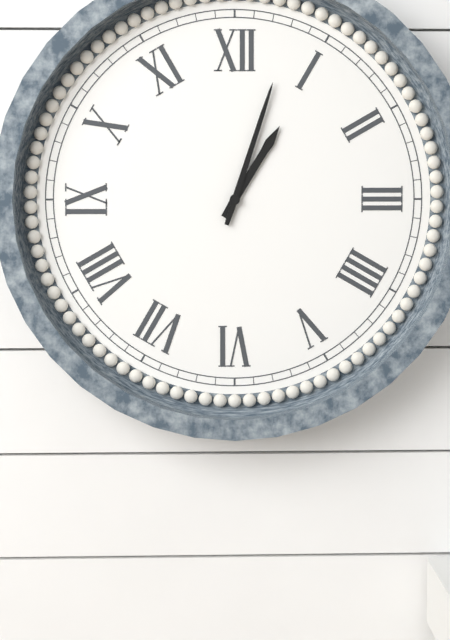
h=1 m=3
